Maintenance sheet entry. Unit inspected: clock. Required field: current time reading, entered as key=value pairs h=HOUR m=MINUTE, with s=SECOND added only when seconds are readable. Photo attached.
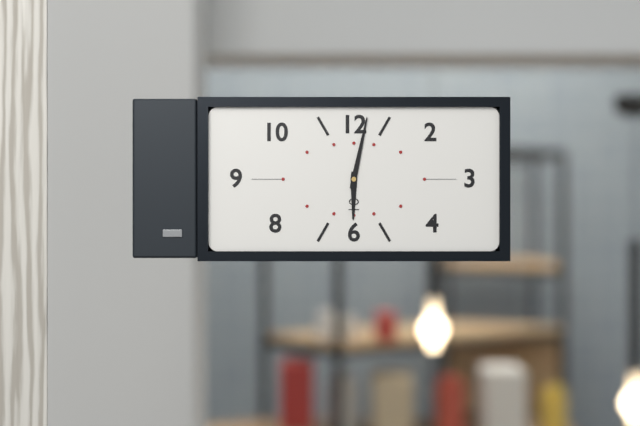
h=6 m=2
